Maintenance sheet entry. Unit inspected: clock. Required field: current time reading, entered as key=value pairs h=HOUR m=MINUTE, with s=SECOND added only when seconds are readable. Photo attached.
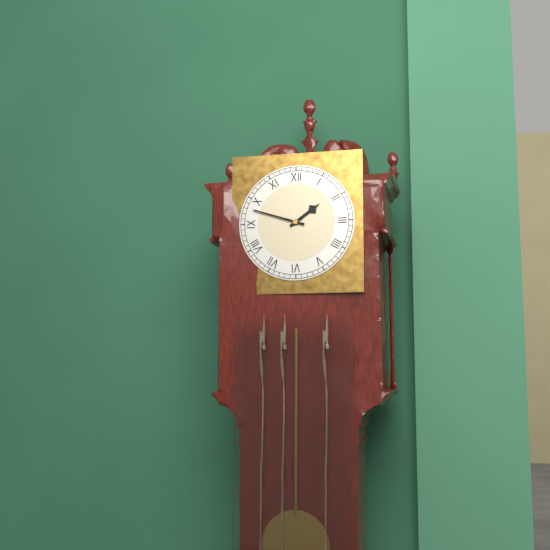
h=1 m=48
